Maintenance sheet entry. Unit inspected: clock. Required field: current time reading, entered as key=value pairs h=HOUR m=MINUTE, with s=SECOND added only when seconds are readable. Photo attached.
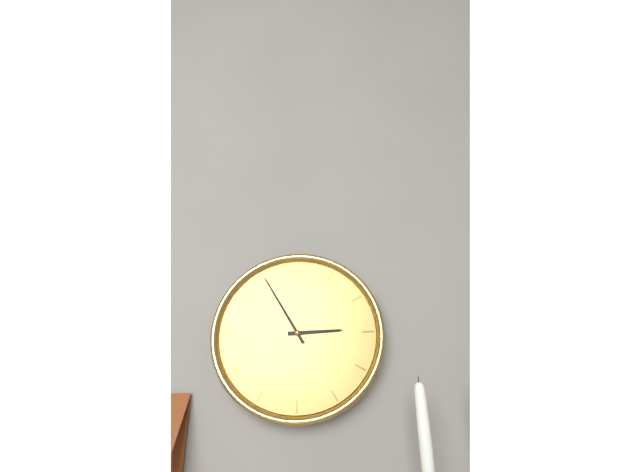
h=2 m=55
